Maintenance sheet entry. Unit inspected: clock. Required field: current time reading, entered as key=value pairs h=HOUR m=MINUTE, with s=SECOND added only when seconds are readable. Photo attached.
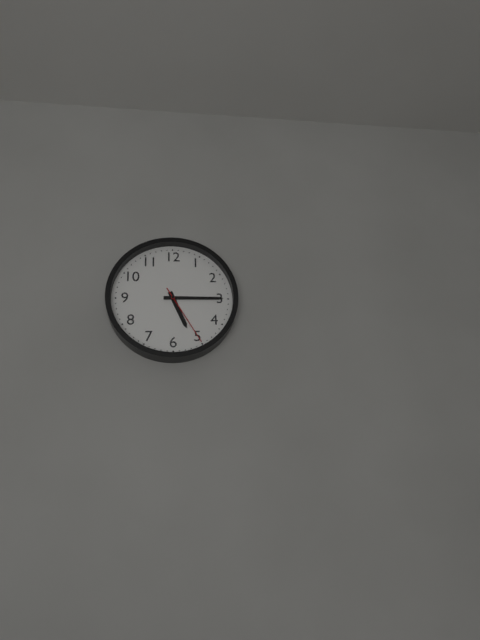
h=5 m=15 s=25
